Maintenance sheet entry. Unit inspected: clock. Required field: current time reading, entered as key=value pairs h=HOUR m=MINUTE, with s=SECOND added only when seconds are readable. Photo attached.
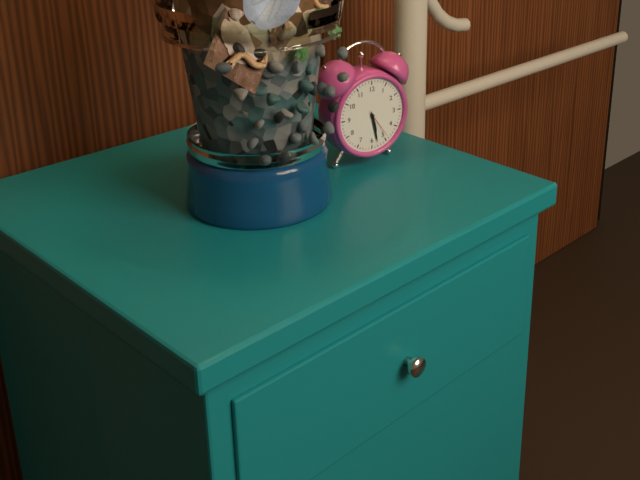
h=5 m=28
